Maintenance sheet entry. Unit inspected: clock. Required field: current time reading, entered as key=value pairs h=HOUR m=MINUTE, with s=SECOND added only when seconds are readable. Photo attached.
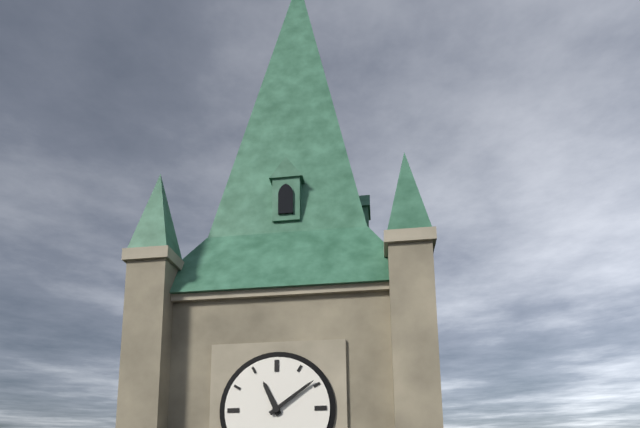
h=11 m=9
